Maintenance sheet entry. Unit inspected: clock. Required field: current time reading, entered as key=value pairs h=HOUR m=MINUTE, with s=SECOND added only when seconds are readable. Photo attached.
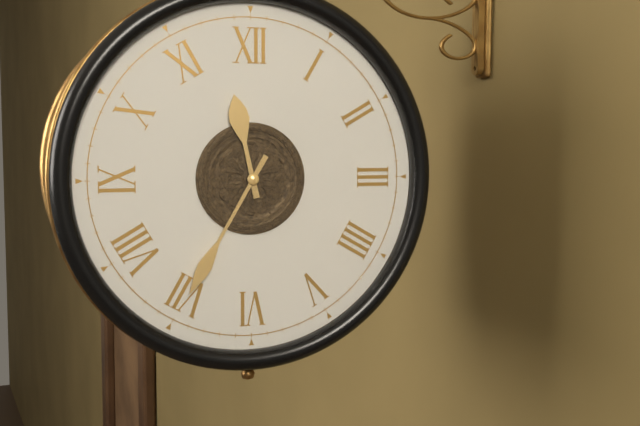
h=11 m=35
